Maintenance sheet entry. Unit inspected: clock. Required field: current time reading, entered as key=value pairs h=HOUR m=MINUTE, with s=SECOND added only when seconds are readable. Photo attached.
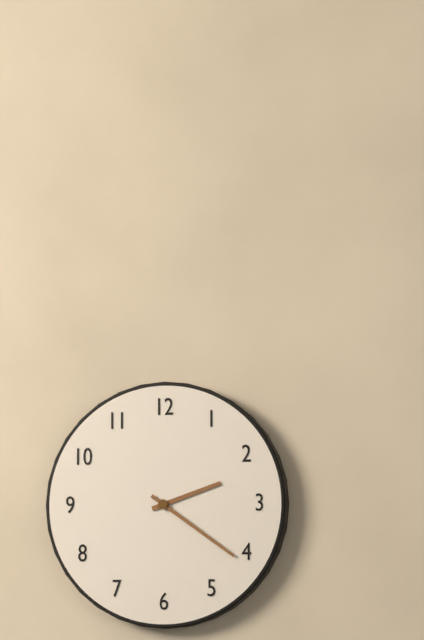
h=2 m=21
